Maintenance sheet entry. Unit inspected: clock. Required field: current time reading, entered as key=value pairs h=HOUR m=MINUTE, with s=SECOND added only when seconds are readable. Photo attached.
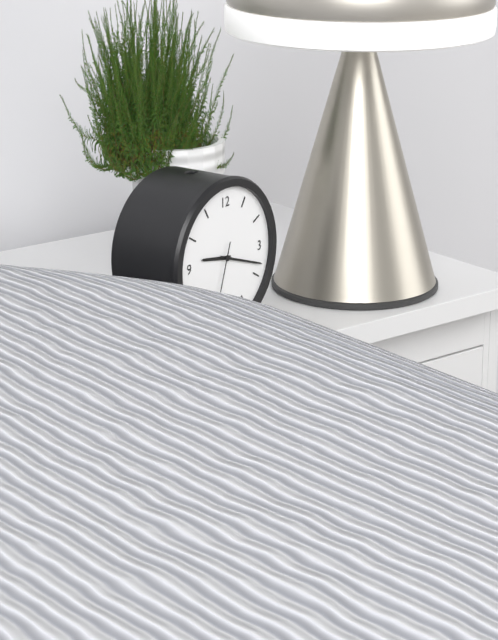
h=9 m=18
